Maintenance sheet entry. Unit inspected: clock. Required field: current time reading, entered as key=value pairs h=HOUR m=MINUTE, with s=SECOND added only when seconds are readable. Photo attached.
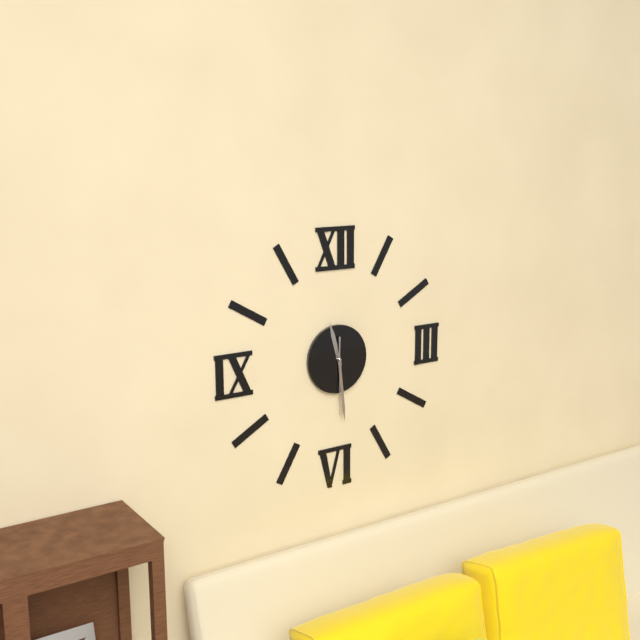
h=11 m=29 s=30
